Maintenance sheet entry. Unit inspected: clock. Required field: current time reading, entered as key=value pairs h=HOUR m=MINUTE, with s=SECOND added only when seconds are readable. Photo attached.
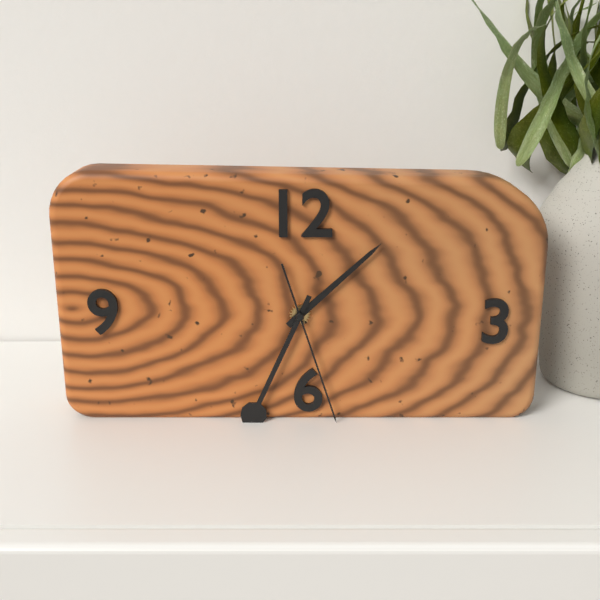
h=1 m=34 s=27
